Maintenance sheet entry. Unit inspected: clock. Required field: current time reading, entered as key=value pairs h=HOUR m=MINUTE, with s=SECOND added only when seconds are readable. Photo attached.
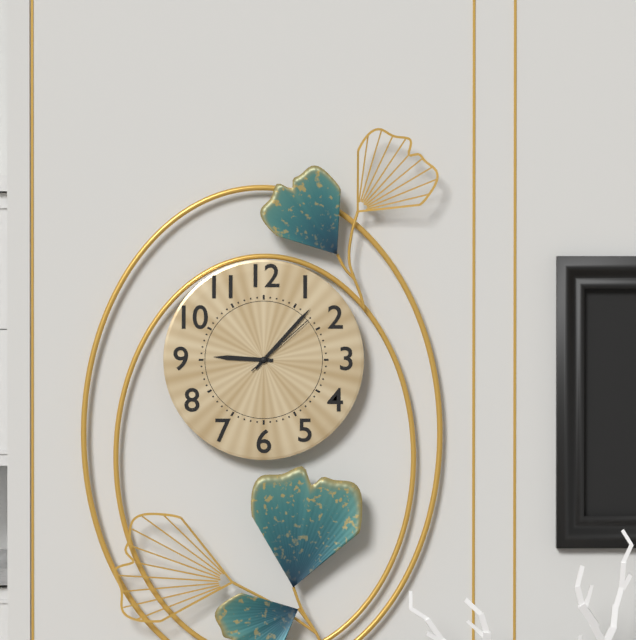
h=9 m=7 s=8
